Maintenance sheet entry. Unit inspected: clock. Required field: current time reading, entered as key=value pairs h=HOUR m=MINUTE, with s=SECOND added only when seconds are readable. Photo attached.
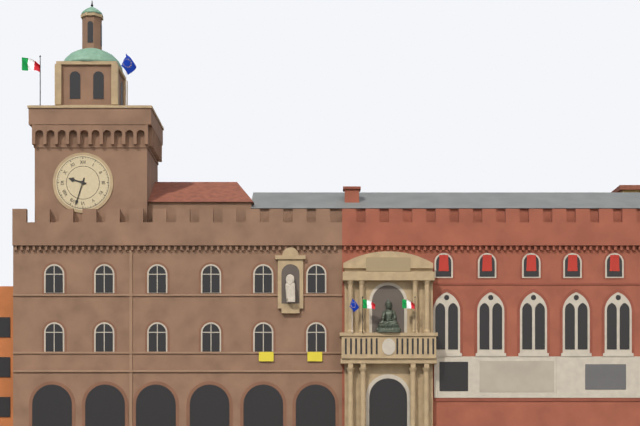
h=9 m=33
